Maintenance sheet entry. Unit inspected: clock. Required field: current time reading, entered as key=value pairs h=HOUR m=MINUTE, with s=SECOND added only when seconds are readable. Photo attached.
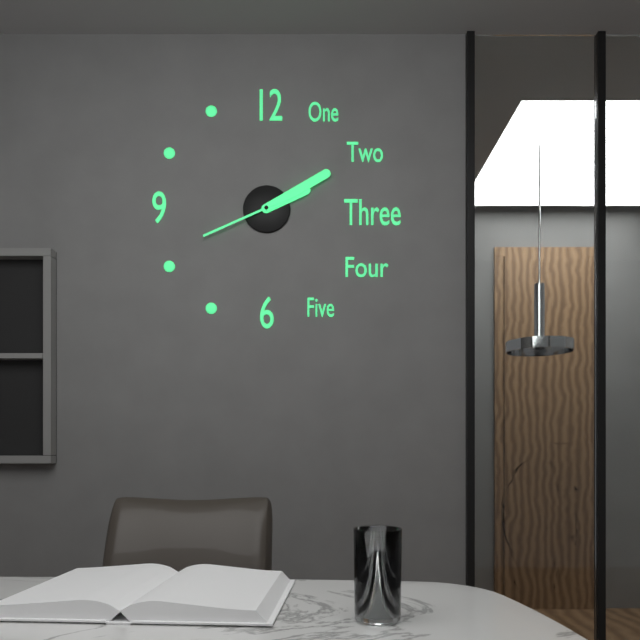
h=2 m=10 s=41
